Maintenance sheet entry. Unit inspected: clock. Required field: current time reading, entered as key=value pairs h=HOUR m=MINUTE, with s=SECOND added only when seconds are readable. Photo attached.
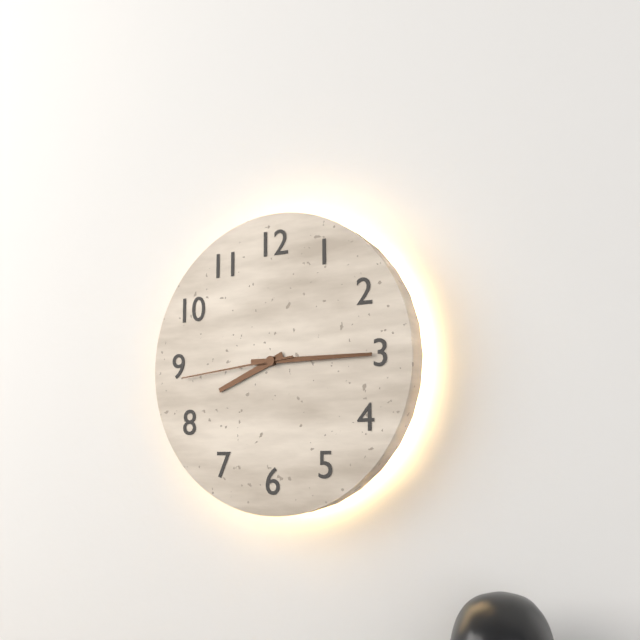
h=8 m=15 s=44
